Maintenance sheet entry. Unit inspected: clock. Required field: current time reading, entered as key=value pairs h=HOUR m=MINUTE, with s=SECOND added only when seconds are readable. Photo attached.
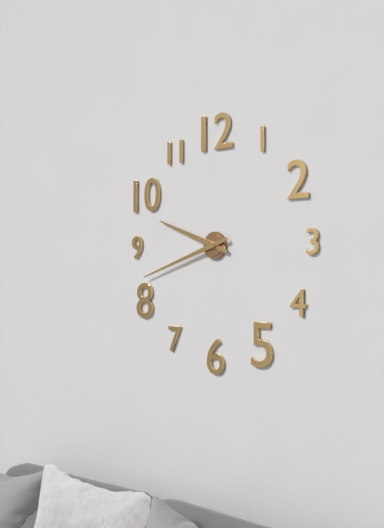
h=9 m=42
